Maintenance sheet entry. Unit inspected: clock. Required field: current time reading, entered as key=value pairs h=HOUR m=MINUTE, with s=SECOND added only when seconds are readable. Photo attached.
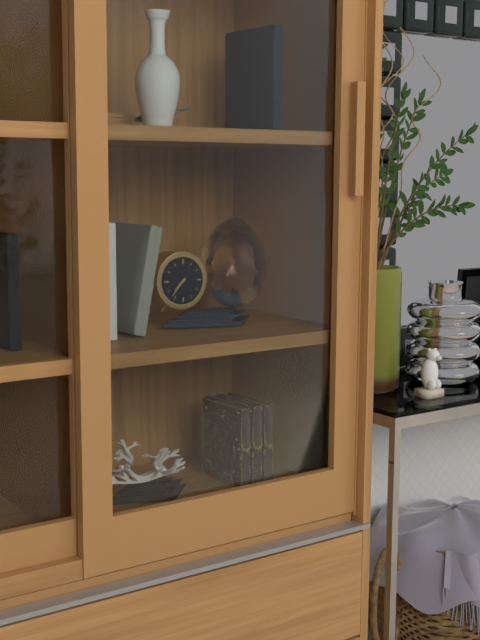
h=7 m=37
